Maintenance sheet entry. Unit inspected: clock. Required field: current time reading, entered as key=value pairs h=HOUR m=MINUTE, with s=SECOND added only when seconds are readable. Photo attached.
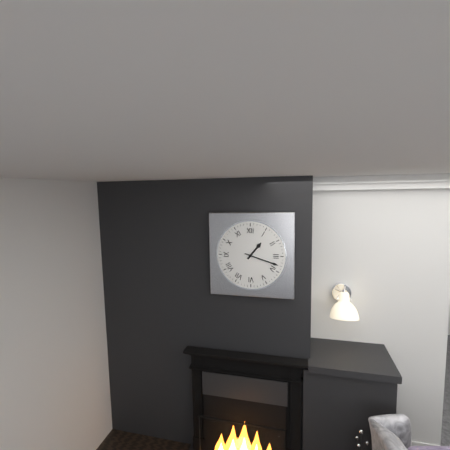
h=1 m=18
